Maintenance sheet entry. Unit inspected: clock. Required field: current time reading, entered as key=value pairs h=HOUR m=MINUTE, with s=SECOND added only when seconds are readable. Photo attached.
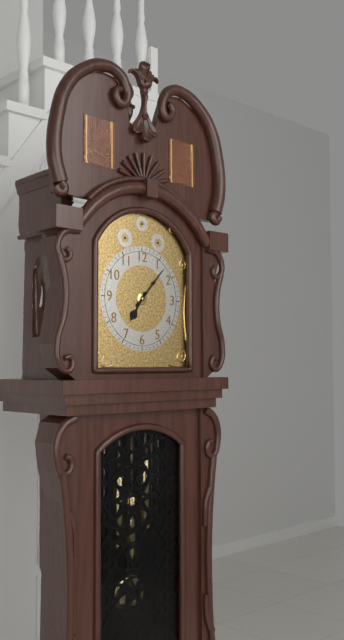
h=7 m=7
